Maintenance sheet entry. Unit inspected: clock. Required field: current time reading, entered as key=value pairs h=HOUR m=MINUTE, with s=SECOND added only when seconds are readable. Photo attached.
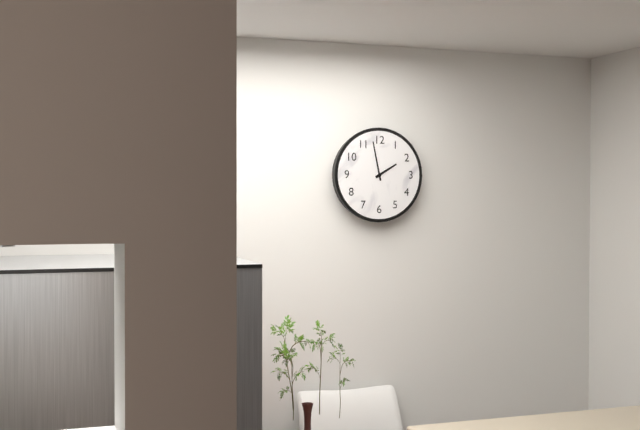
h=1 m=58
